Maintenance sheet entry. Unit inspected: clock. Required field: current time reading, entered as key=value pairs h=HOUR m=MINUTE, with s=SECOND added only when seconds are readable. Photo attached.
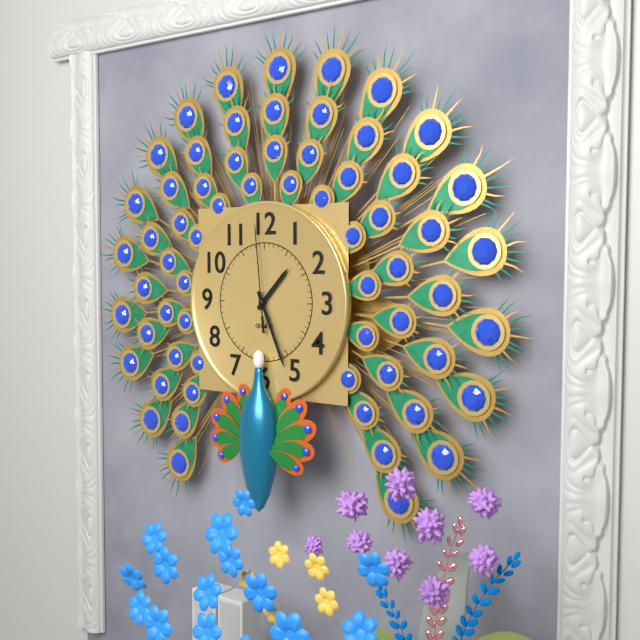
h=1 m=26 s=59
